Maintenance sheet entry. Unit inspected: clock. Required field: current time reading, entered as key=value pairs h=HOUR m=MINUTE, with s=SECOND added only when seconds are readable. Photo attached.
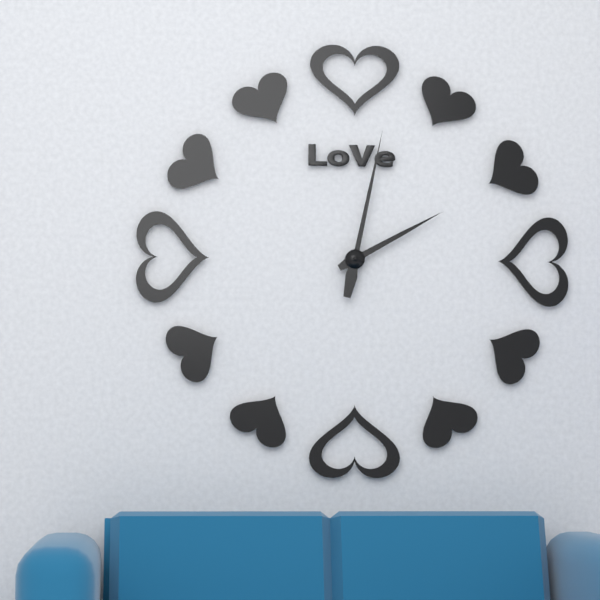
h=2 m=2
